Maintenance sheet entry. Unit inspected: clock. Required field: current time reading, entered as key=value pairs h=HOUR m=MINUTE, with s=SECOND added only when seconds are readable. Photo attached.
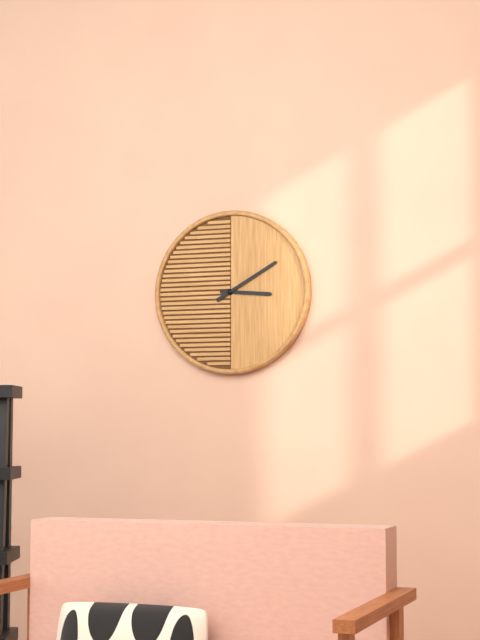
h=3 m=10
